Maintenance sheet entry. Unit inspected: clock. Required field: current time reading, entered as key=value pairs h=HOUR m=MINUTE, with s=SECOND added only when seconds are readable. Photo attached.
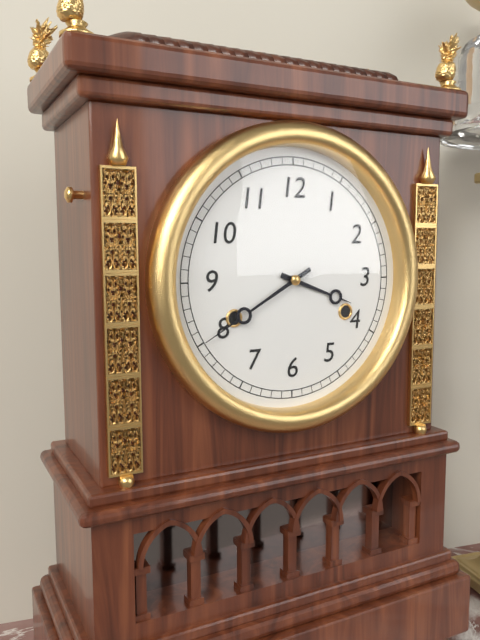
h=3 m=40
